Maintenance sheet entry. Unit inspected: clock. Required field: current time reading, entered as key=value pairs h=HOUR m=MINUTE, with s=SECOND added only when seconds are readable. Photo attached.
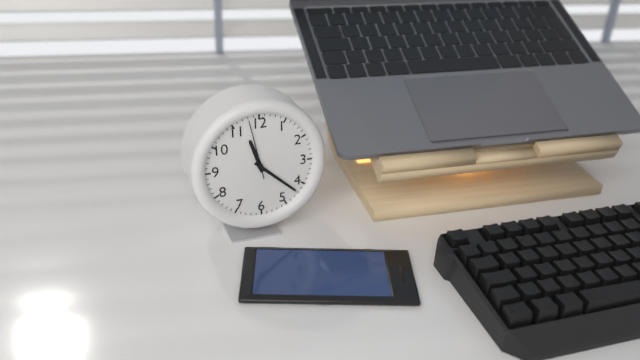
h=11 m=22 s=58
